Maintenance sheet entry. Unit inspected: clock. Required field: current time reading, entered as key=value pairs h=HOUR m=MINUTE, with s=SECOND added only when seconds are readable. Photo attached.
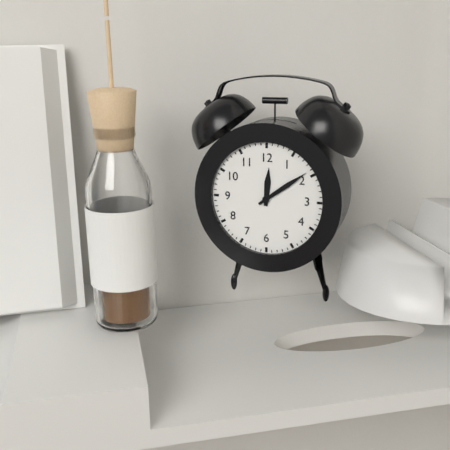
h=12 m=9
